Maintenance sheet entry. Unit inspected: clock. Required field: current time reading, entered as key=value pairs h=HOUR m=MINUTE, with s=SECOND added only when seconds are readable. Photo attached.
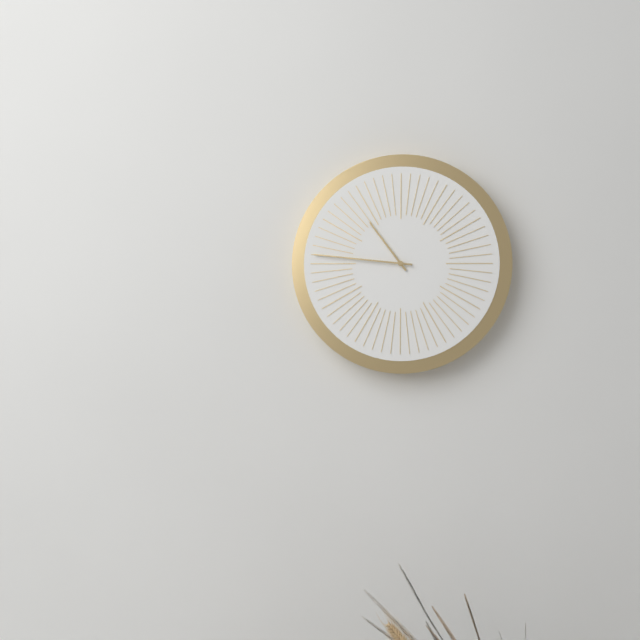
h=10 m=46
